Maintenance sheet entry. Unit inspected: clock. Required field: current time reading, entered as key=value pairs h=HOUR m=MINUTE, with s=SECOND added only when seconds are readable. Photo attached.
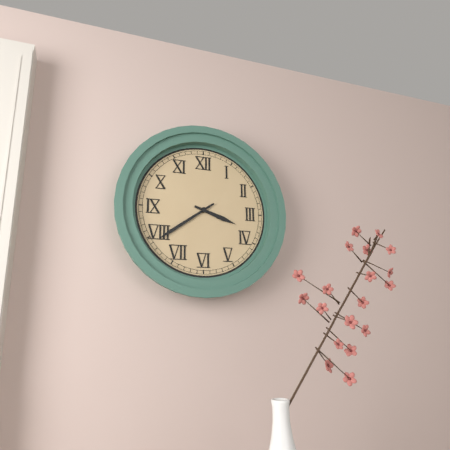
h=3 m=39
